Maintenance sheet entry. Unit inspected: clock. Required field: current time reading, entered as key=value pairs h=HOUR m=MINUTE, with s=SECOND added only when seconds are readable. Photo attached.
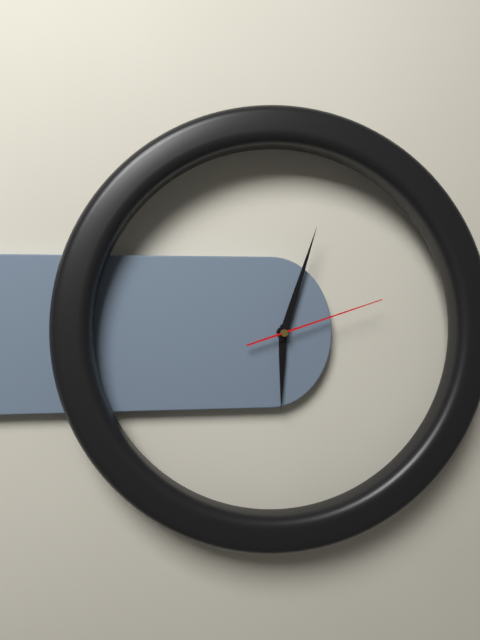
h=6 m=3 s=12
